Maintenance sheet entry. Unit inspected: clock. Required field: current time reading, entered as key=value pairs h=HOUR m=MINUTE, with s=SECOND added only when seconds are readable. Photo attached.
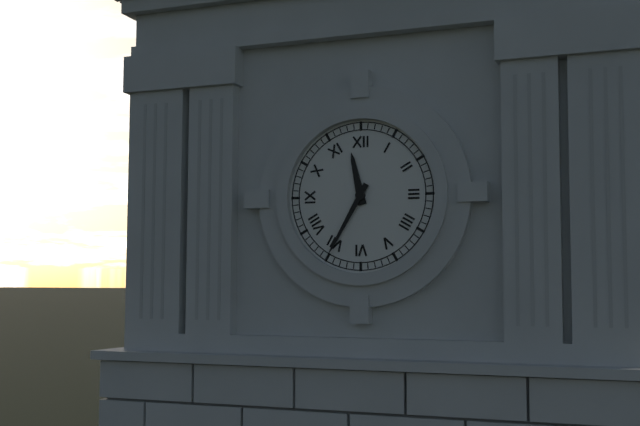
h=11 m=35
